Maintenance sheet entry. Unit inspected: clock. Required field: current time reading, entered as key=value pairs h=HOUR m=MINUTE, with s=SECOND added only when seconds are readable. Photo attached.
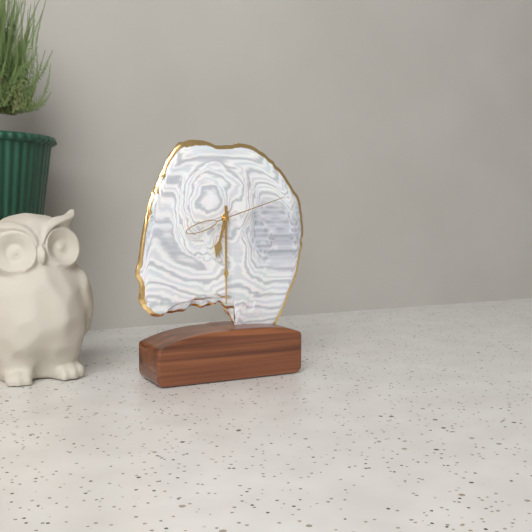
h=6 m=30 s=12
